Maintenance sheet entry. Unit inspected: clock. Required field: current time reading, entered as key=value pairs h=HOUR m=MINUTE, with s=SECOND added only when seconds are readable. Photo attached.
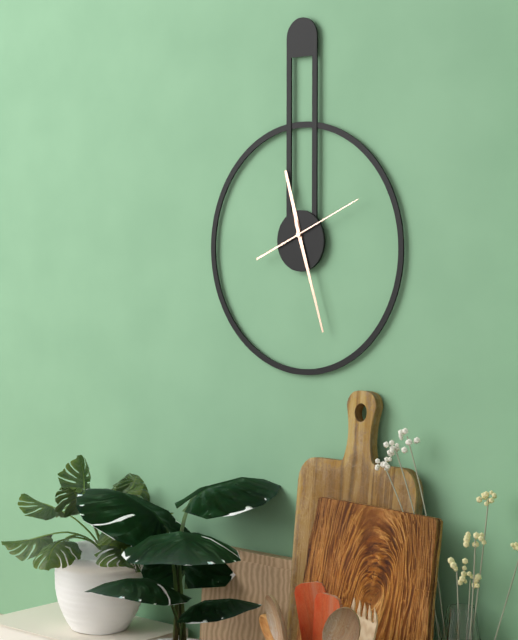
h=11 m=27 s=11
